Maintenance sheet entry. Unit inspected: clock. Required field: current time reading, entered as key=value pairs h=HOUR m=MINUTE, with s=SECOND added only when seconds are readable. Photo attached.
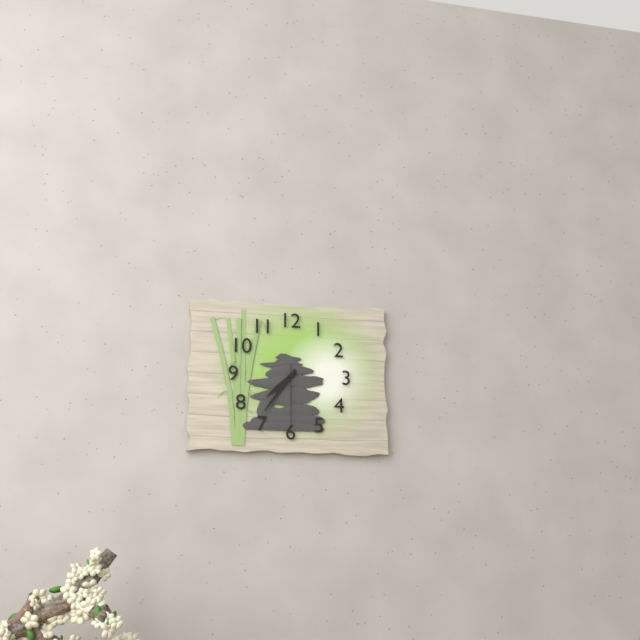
h=7 m=36 s=30
